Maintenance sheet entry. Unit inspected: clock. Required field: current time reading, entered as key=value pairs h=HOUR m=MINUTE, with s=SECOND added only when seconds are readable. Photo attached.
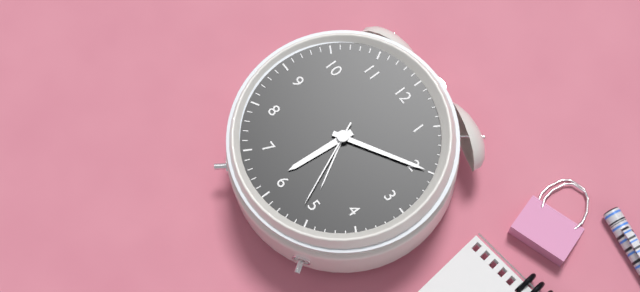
h=6 m=10 s=26
